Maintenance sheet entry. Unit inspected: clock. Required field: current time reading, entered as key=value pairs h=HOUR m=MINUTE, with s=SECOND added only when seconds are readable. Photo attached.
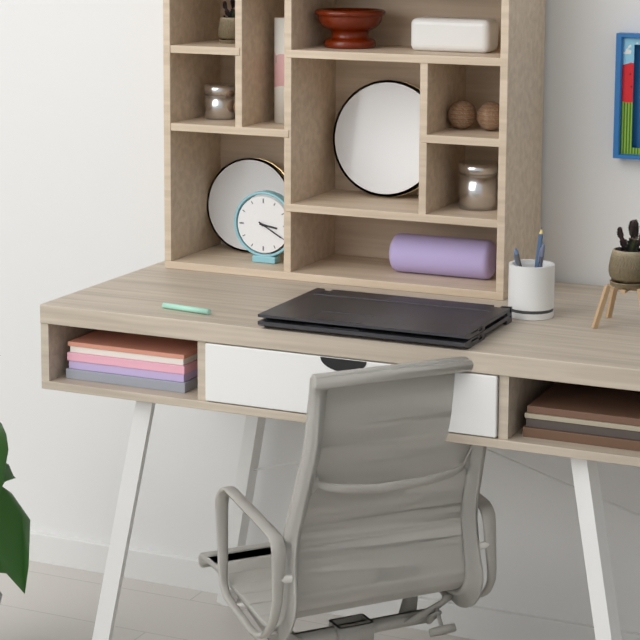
h=3 m=20
